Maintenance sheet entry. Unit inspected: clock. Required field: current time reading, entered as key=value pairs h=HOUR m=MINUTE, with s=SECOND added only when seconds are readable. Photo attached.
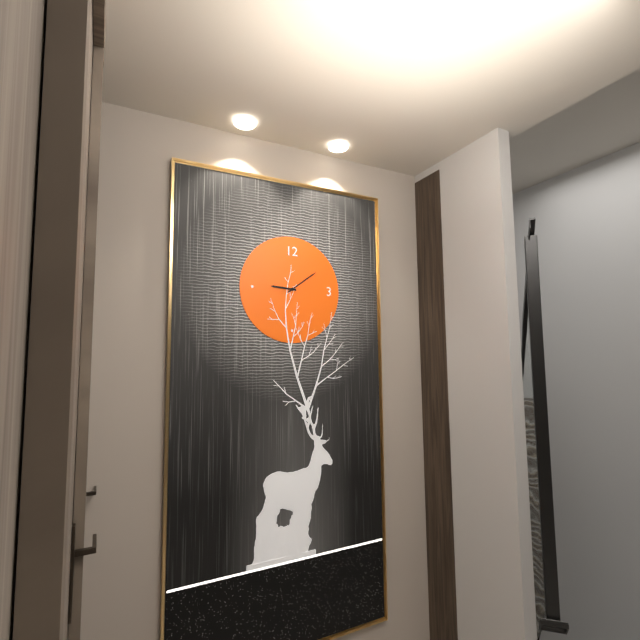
h=9 m=9
